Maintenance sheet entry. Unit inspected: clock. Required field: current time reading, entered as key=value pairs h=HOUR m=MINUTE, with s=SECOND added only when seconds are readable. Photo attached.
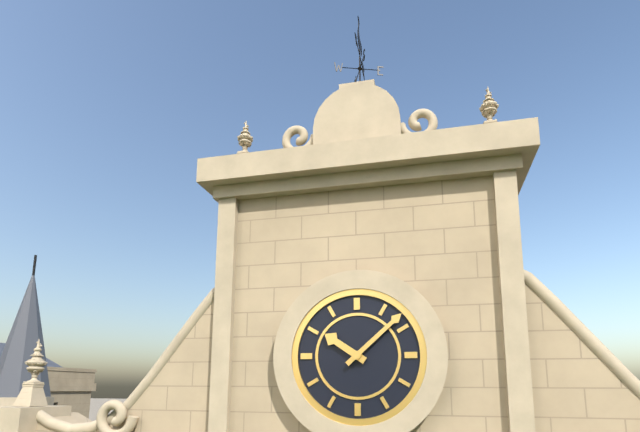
h=10 m=8
